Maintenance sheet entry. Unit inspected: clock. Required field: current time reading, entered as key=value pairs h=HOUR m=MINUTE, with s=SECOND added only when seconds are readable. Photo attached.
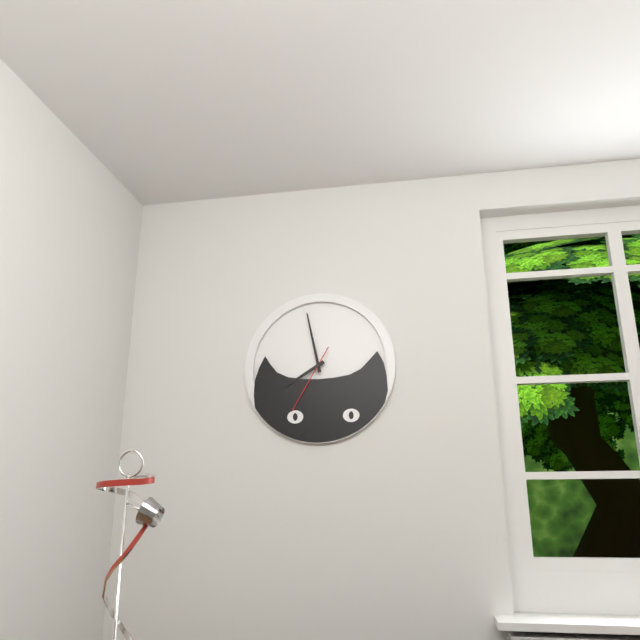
h=7 m=58 s=35
